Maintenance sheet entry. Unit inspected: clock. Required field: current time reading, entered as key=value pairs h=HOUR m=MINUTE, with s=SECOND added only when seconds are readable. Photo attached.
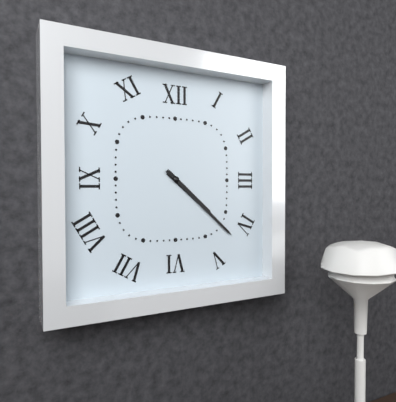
h=4 m=22
